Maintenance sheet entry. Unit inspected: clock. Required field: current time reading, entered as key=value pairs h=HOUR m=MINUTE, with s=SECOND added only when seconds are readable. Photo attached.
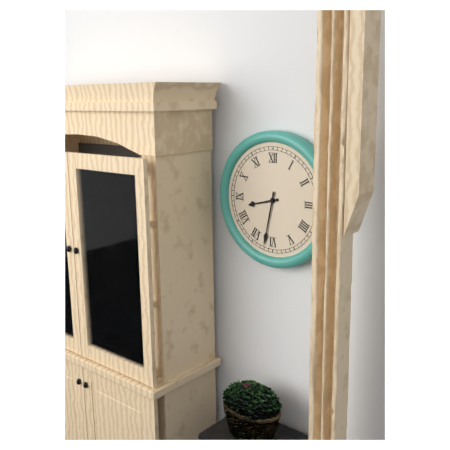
h=8 m=32
